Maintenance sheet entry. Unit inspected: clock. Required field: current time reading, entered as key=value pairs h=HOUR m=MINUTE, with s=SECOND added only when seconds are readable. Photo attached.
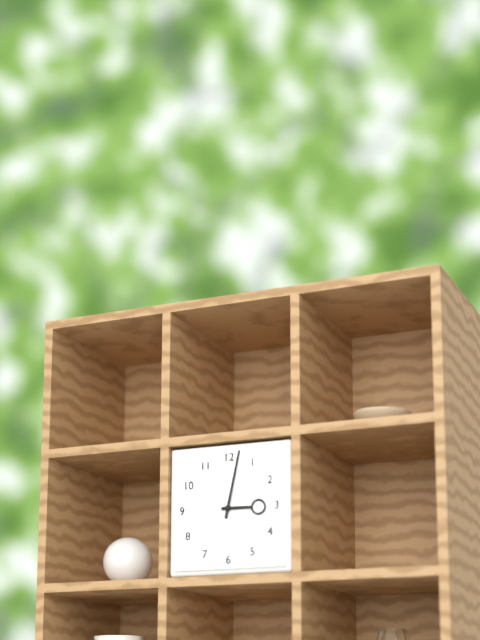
h=3 m=2
